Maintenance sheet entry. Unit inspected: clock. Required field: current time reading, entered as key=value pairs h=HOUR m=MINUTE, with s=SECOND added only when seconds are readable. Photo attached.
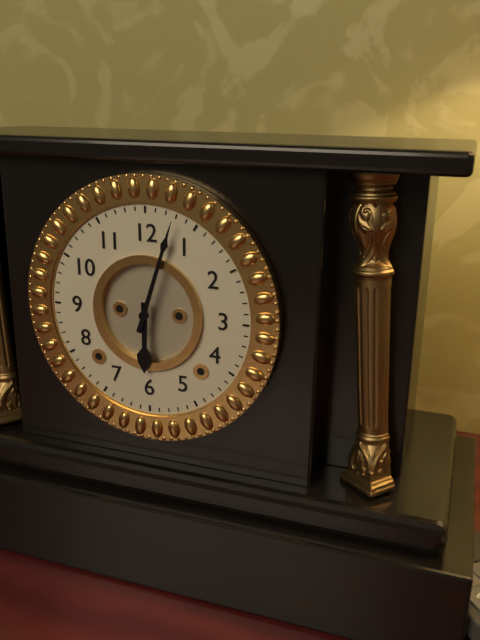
h=6 m=3
